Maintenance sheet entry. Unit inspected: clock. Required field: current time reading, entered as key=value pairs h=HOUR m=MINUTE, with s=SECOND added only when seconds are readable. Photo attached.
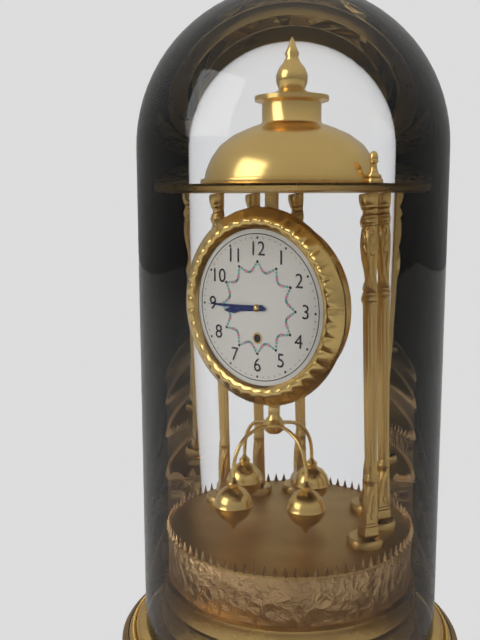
h=8 m=45
